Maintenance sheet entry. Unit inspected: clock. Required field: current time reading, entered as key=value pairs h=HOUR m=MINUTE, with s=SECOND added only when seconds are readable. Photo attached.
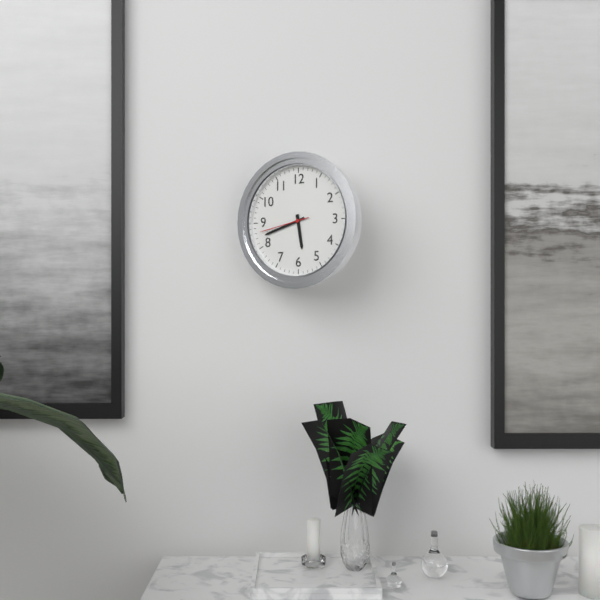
h=5 m=42 s=43
